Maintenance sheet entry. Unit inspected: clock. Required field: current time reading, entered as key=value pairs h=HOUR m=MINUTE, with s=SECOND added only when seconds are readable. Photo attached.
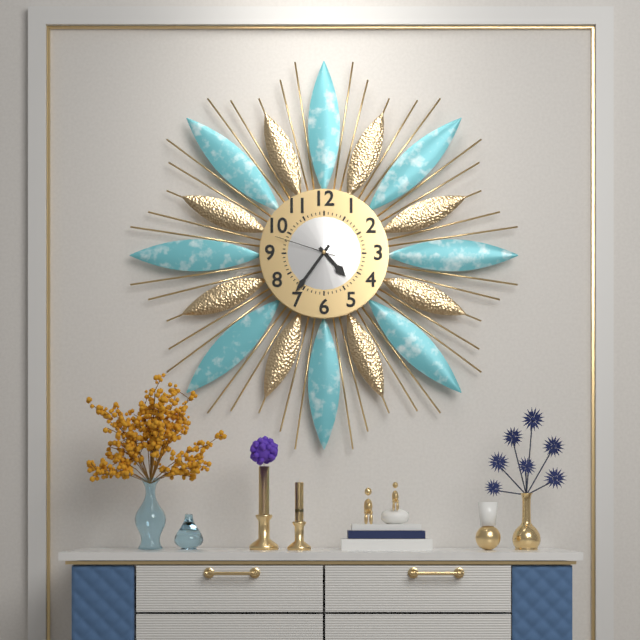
h=4 m=36 s=48
